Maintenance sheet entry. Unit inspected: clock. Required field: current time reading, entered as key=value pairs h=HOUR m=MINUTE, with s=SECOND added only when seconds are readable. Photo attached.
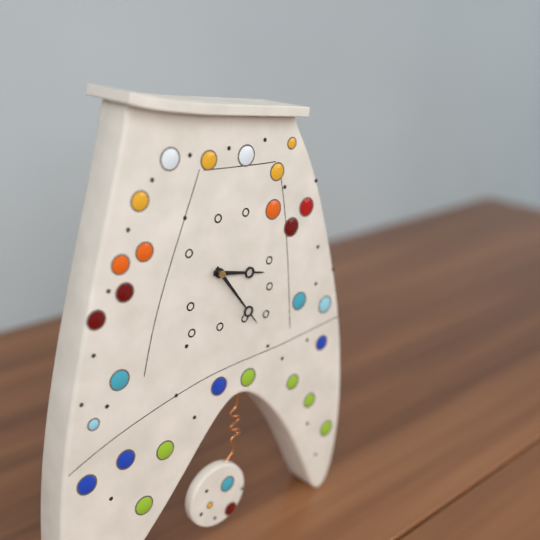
h=3 m=24
